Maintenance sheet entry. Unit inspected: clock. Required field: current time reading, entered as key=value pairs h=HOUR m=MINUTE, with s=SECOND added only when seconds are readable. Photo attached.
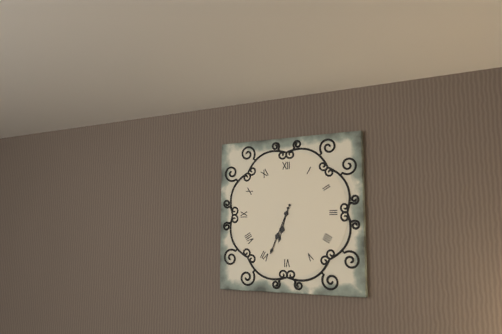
h=6 m=34
